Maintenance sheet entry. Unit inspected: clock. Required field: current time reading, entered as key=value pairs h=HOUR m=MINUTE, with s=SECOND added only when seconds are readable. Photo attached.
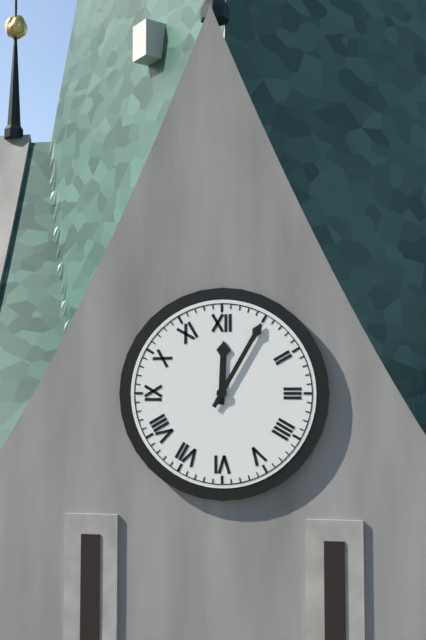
h=12 m=5
